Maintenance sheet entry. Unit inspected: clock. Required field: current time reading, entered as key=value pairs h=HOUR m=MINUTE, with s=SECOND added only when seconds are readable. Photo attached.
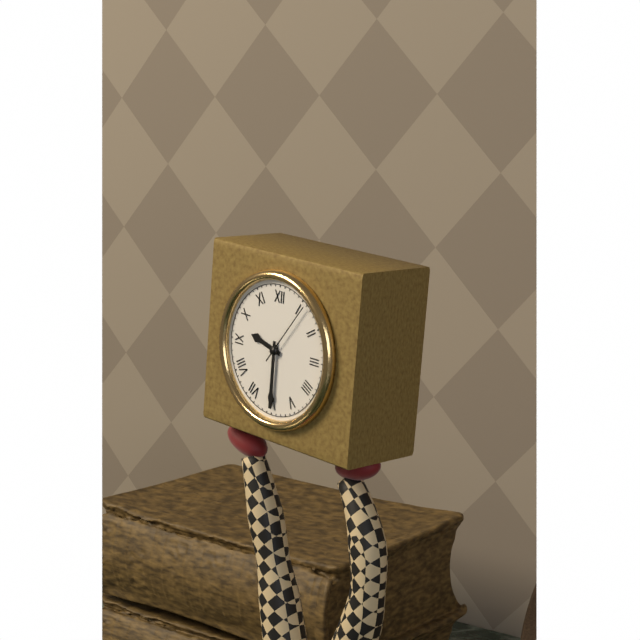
h=9 m=30
